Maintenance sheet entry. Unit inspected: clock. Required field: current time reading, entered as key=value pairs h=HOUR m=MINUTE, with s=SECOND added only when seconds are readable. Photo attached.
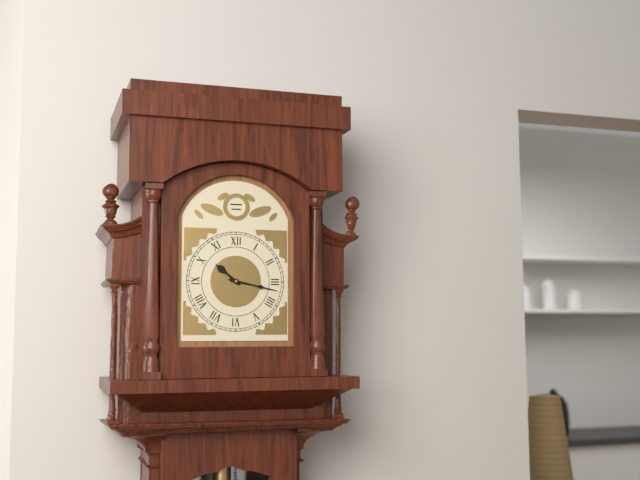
h=10 m=17
